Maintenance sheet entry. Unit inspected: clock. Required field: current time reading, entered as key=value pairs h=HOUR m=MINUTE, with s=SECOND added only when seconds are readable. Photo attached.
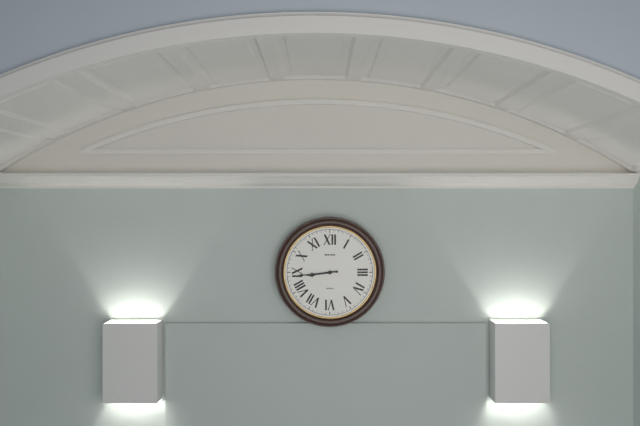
h=8 m=44
